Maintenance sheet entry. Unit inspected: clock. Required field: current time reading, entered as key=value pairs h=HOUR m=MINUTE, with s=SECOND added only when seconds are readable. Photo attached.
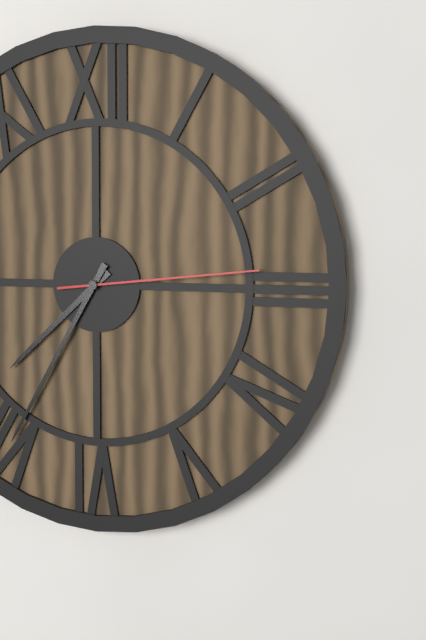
h=7 m=35 s=14
